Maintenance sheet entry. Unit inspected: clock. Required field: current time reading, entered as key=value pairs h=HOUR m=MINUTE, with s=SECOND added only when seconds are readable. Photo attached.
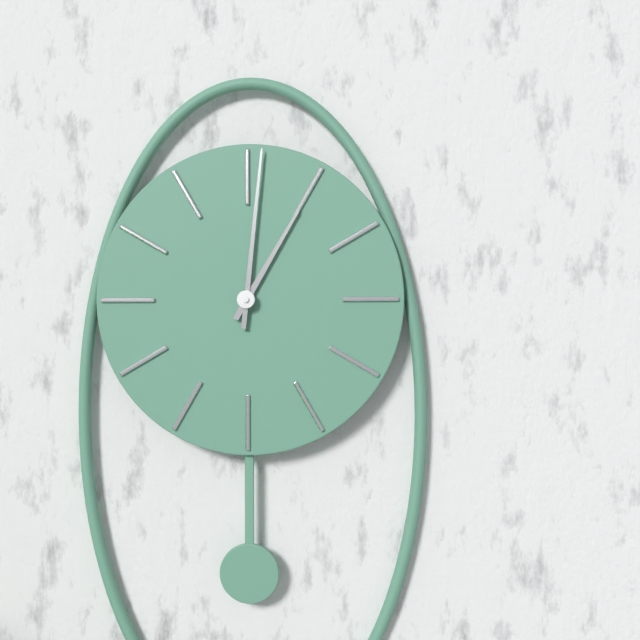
h=1 m=1
